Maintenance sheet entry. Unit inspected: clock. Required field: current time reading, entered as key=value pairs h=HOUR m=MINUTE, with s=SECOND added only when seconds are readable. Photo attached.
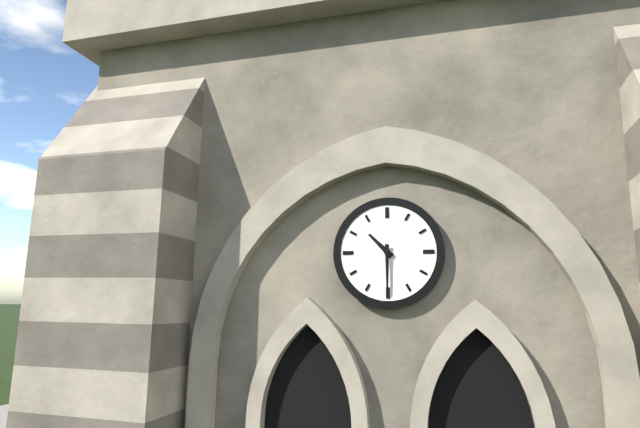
h=10 m=30
